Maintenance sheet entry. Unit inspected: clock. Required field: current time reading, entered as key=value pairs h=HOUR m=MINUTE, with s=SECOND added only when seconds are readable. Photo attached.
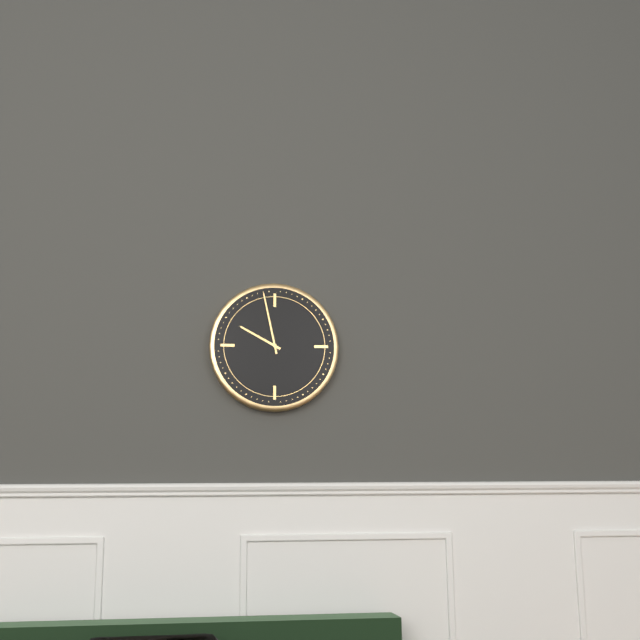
h=9 m=58
